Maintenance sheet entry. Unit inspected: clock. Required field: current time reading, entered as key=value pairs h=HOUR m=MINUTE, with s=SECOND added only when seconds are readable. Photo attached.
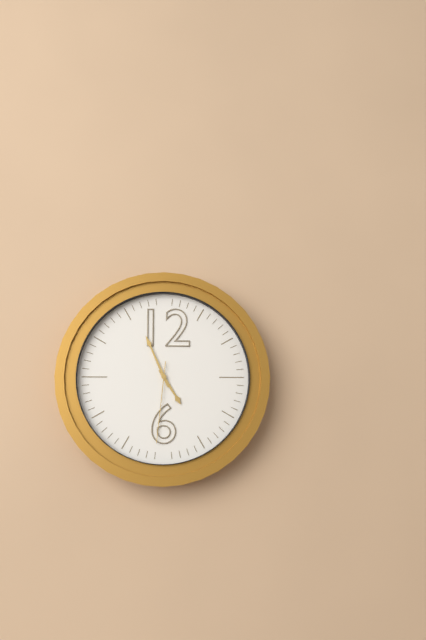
h=4 m=56 s=31
